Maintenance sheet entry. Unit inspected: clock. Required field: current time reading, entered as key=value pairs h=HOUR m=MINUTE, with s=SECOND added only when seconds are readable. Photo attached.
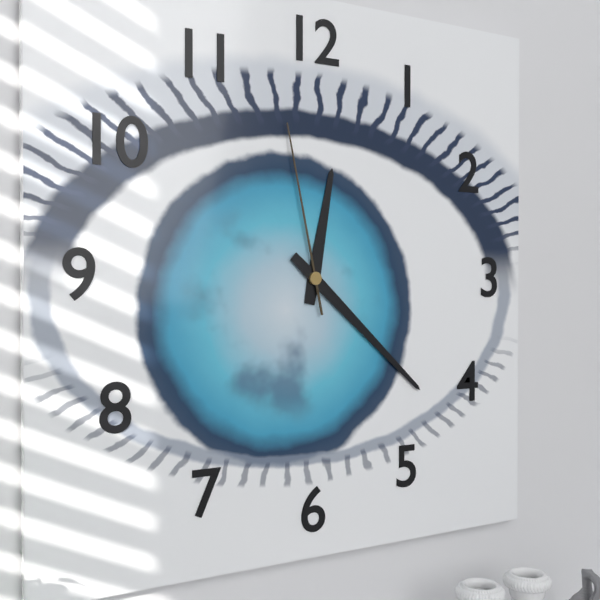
h=12 m=22 s=58
